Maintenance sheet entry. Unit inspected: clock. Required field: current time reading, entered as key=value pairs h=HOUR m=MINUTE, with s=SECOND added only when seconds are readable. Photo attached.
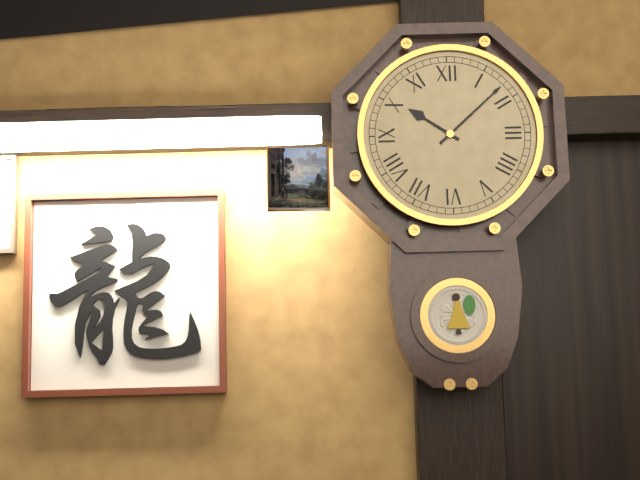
h=10 m=8
